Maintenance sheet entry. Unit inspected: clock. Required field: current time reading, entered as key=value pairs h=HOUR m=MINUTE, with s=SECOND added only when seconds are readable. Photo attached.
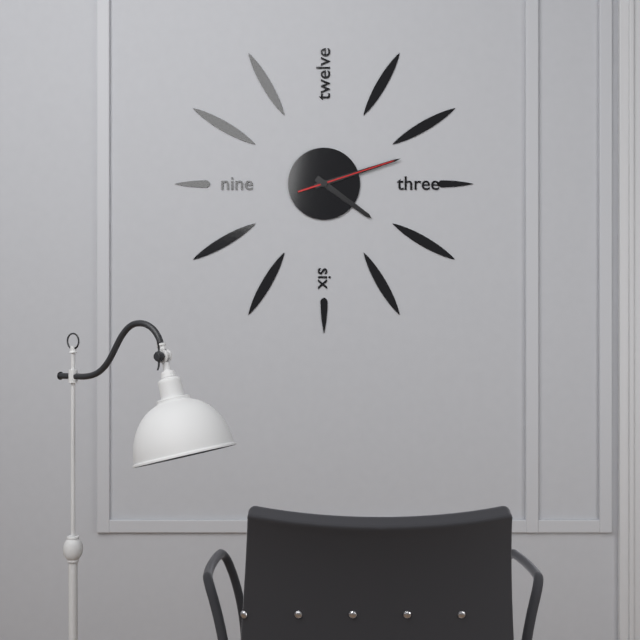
h=4 m=12 s=12
